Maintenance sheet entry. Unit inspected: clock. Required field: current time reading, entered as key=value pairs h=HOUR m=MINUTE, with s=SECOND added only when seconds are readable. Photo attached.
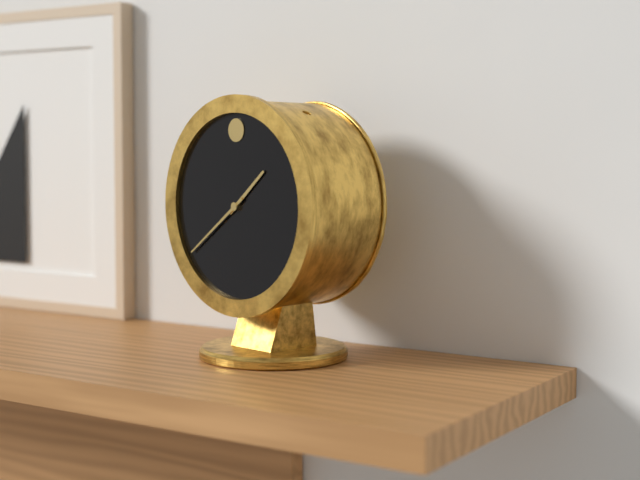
h=1 m=39
